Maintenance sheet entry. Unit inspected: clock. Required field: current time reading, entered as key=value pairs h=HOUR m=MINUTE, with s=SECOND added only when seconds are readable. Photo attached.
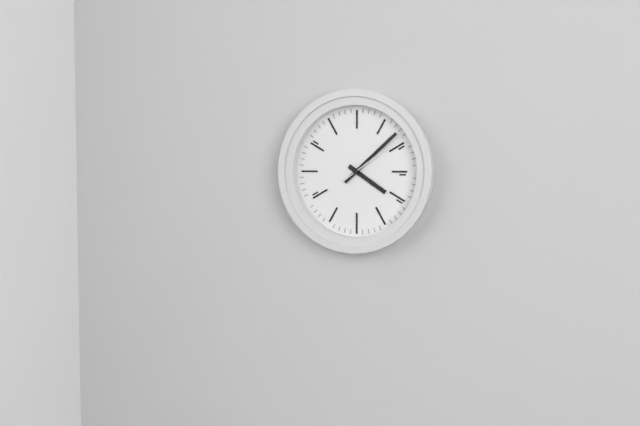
h=4 m=8 s=9
